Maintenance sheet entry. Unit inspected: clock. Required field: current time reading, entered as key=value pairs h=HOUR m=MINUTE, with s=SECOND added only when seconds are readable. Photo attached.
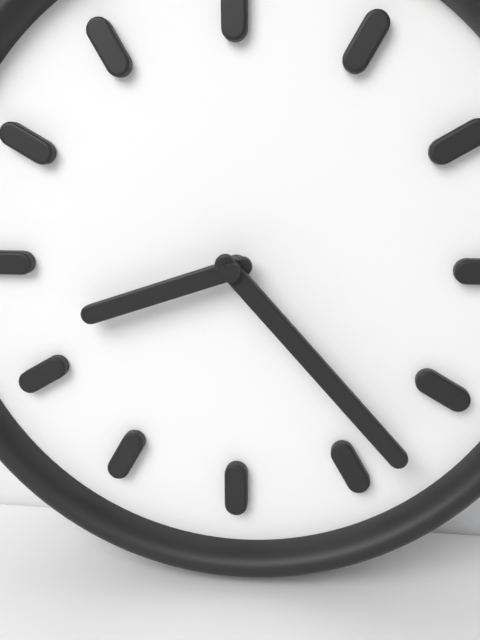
h=8 m=23
